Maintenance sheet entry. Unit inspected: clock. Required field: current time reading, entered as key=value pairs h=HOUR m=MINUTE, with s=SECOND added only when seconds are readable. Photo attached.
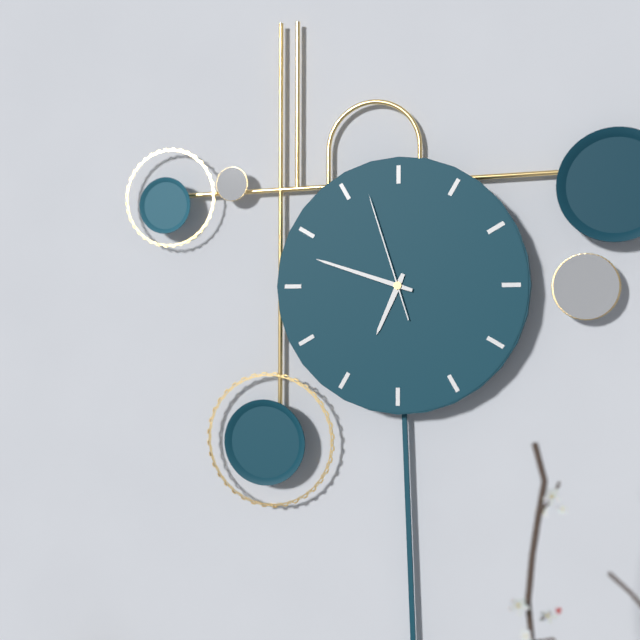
h=6 m=48 s=57
